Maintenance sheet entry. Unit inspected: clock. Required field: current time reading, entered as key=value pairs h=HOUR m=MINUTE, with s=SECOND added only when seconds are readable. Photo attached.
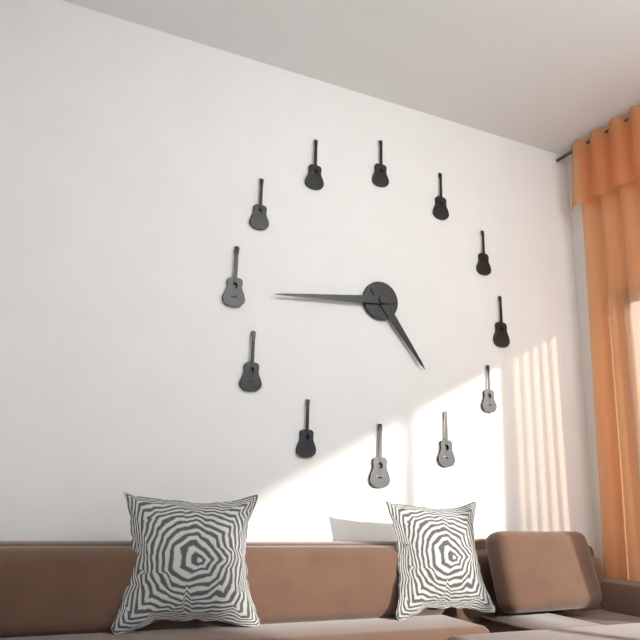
h=4 m=44
